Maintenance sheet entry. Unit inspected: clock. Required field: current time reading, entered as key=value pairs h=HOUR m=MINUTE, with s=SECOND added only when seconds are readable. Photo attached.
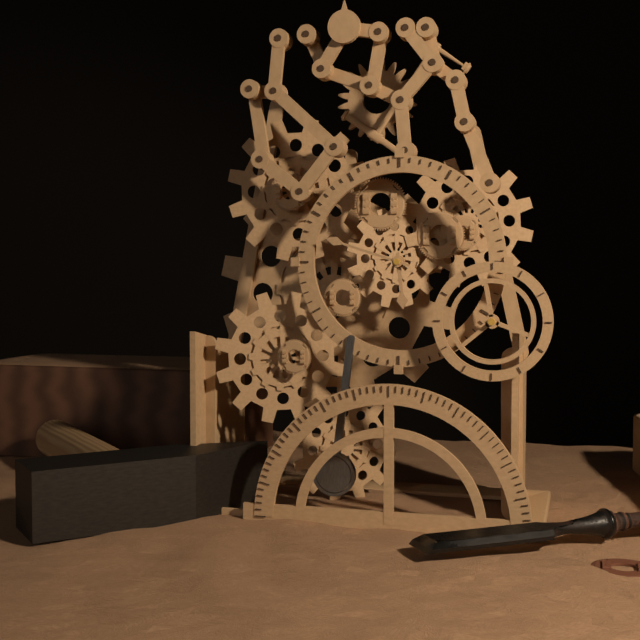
h=5 m=48
